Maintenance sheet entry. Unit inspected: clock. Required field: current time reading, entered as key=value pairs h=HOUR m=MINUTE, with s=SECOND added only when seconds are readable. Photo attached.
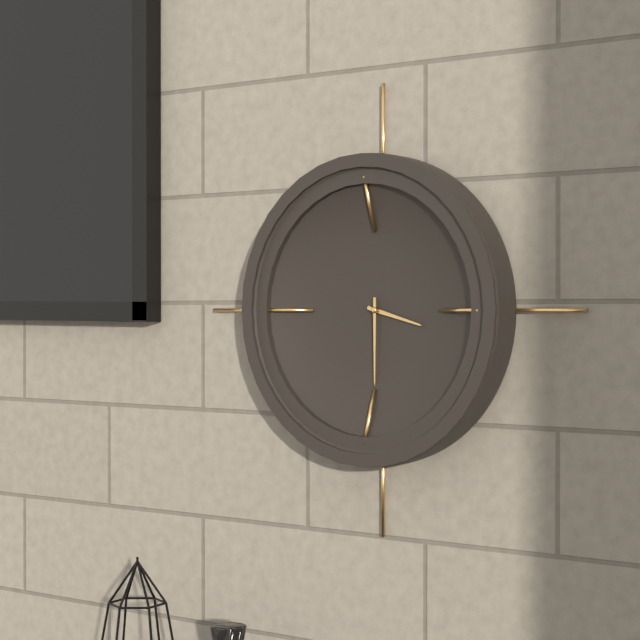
h=3 m=30
